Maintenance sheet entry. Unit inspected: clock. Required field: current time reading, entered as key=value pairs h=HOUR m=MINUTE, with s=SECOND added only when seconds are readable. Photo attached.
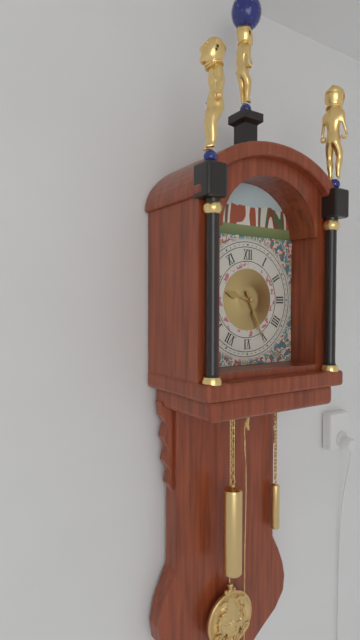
h=9 m=26
